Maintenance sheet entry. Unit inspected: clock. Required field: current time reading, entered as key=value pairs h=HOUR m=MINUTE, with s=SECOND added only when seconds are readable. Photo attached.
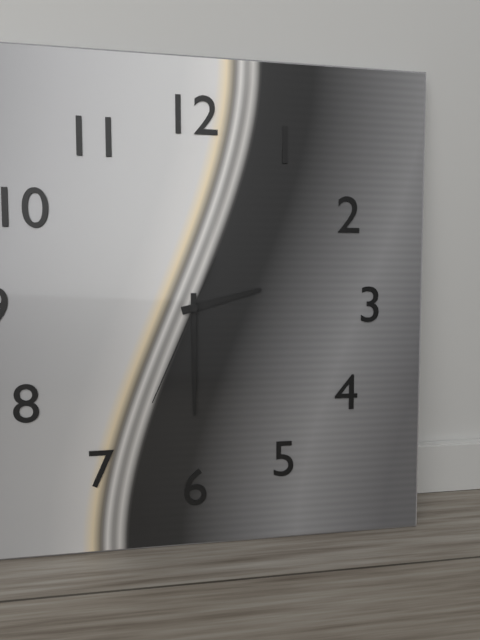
h=2 m=30 s=34
